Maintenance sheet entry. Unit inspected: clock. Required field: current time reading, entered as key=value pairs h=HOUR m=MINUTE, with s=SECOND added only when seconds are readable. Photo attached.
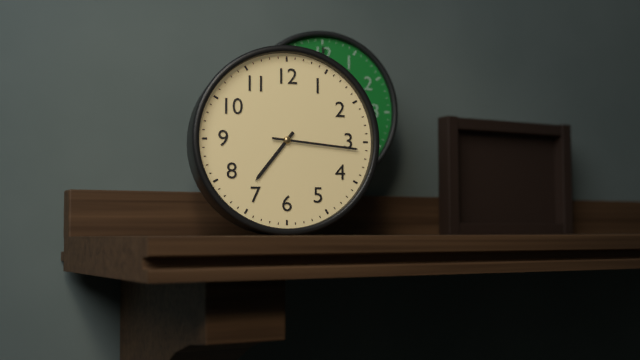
h=7 m=16
